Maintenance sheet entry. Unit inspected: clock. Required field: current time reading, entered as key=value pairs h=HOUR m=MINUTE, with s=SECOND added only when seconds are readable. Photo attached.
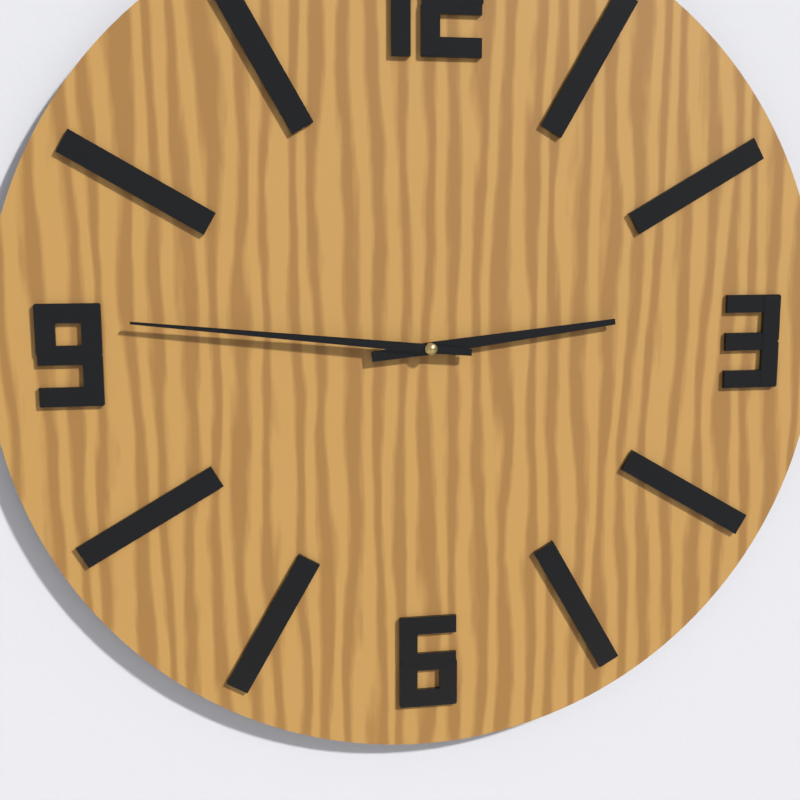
h=2 m=46
